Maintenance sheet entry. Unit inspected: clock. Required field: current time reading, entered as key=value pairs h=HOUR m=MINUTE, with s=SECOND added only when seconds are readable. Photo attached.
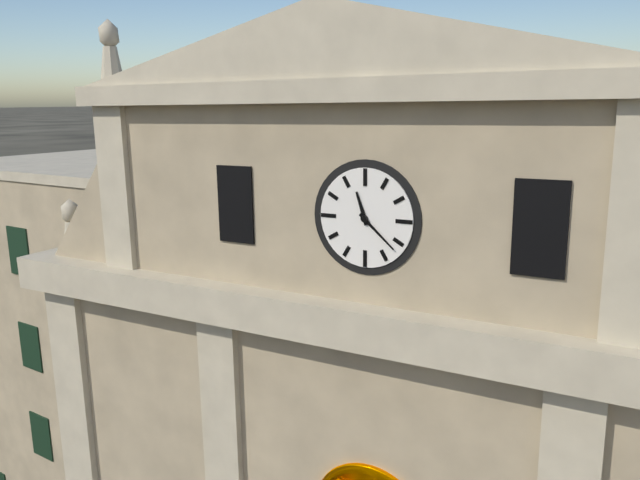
h=11 m=22
